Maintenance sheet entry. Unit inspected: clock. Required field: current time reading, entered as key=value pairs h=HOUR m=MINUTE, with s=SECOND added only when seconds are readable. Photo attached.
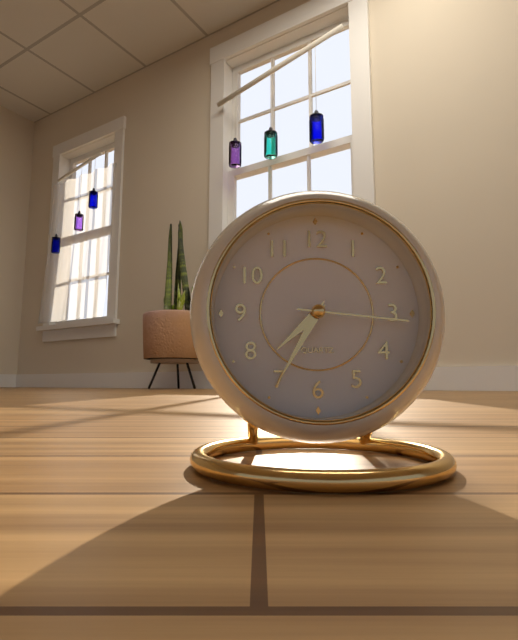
h=7 m=35 s=16
